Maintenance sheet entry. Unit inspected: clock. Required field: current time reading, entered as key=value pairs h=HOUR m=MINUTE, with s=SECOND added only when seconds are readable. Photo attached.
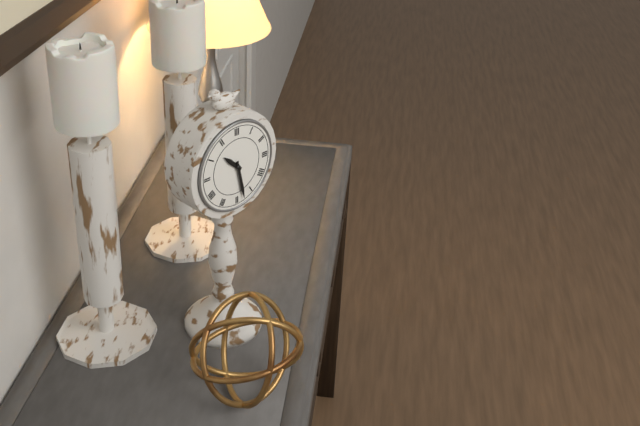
h=10 m=28
